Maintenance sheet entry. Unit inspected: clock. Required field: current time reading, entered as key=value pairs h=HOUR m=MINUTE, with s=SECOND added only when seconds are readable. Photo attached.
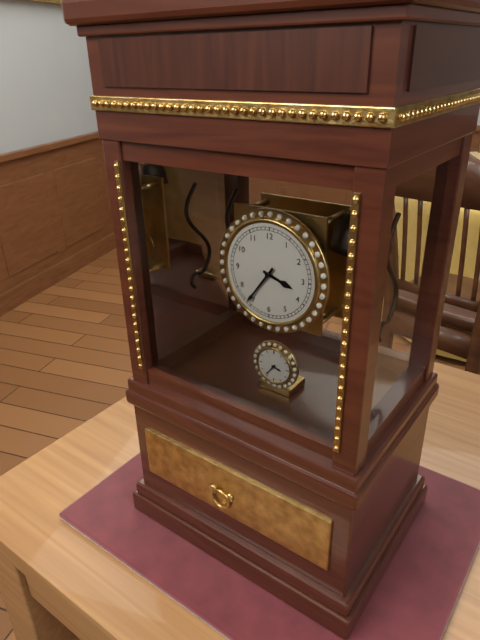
h=3 m=36
